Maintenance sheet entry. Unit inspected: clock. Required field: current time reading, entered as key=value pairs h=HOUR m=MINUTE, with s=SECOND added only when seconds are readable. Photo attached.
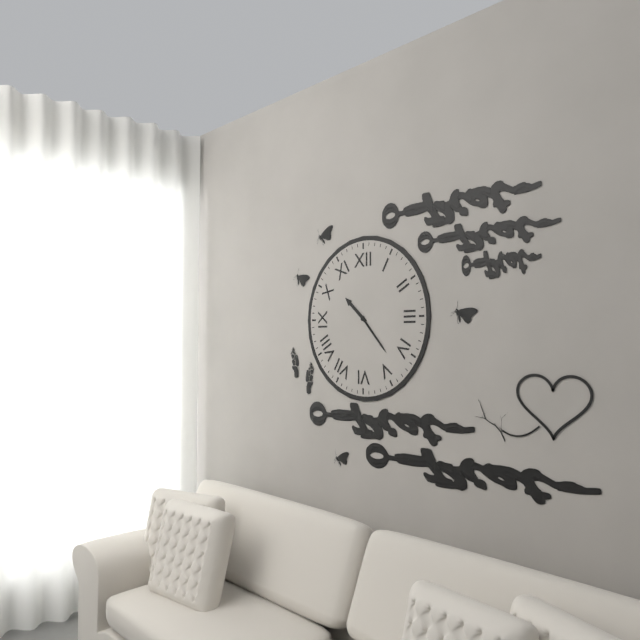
h=10 m=23
